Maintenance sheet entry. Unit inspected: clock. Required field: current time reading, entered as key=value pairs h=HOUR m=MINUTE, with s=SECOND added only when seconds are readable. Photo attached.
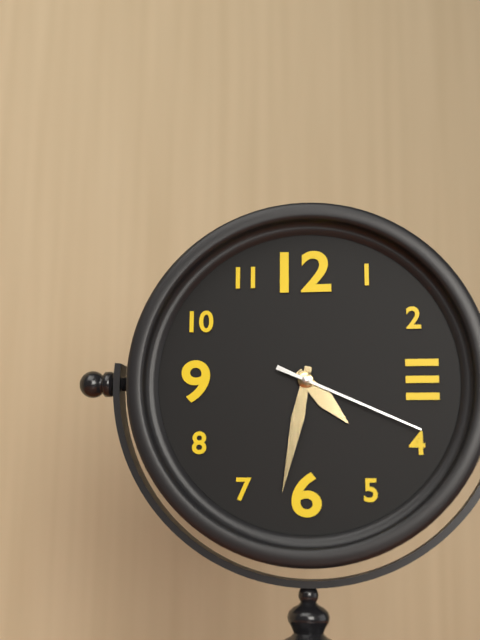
h=4 m=32 s=19
